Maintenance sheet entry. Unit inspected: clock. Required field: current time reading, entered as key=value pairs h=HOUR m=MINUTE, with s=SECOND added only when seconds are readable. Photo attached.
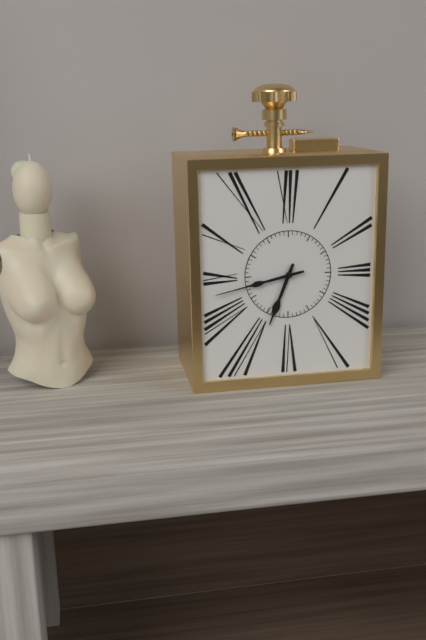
h=6 m=43
